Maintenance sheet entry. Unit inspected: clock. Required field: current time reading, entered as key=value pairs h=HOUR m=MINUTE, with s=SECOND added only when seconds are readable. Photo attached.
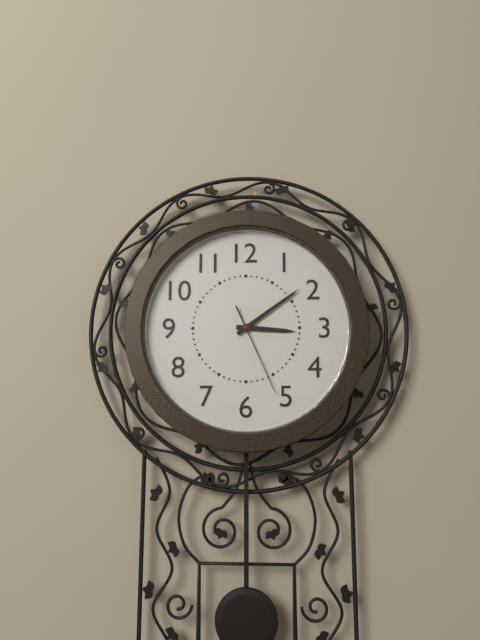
h=3 m=9 s=26
